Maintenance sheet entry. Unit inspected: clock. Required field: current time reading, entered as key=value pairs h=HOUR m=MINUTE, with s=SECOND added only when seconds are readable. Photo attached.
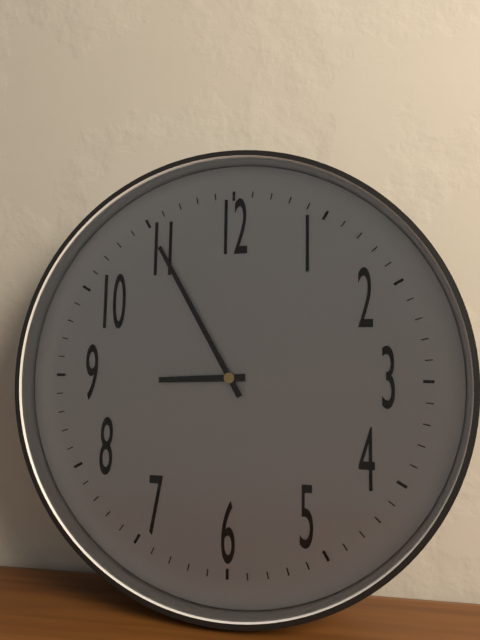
h=8 m=55
